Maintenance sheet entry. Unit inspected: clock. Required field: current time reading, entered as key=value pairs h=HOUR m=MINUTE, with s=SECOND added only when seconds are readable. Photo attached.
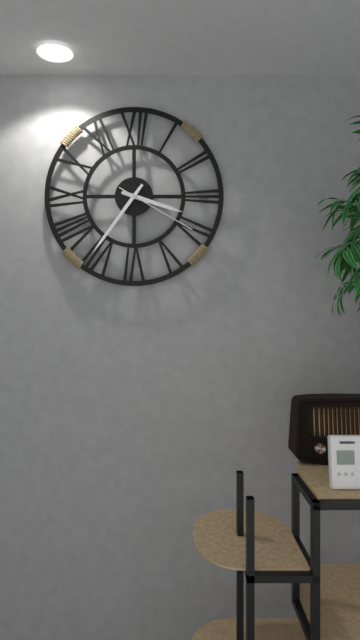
h=3 m=36 s=20
